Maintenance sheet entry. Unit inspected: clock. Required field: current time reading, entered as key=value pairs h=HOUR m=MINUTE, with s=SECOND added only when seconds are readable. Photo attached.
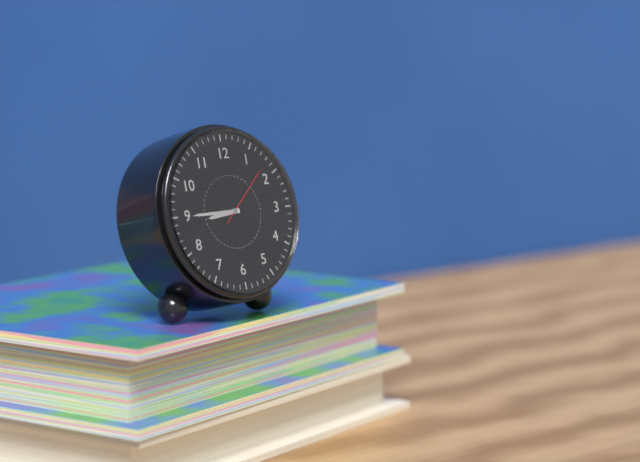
h=8 m=45 s=8
